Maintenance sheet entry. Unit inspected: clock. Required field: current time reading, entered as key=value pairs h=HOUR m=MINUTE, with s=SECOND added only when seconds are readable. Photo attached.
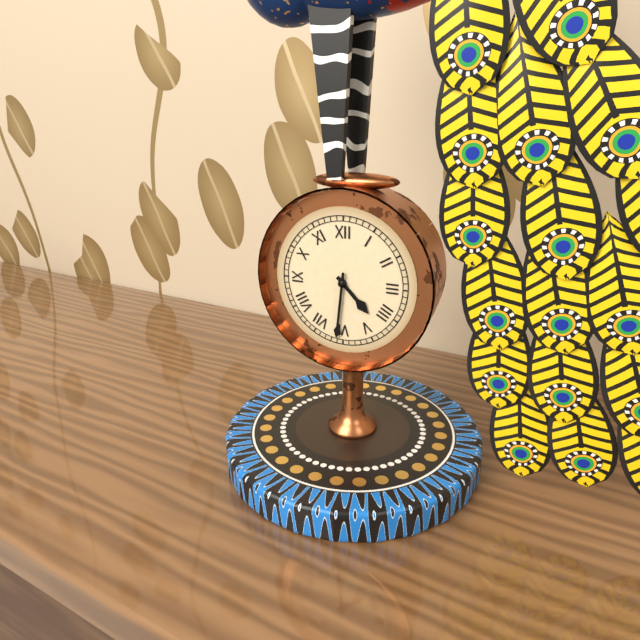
h=4 m=31
